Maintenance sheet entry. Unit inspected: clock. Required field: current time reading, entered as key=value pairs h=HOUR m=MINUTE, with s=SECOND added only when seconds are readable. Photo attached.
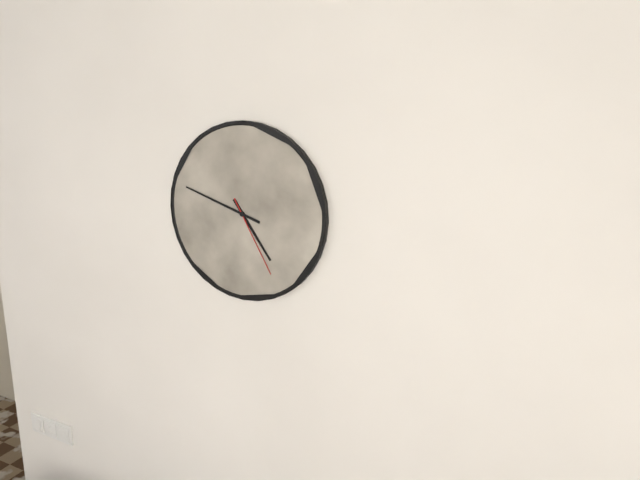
h=4 m=48 s=25
